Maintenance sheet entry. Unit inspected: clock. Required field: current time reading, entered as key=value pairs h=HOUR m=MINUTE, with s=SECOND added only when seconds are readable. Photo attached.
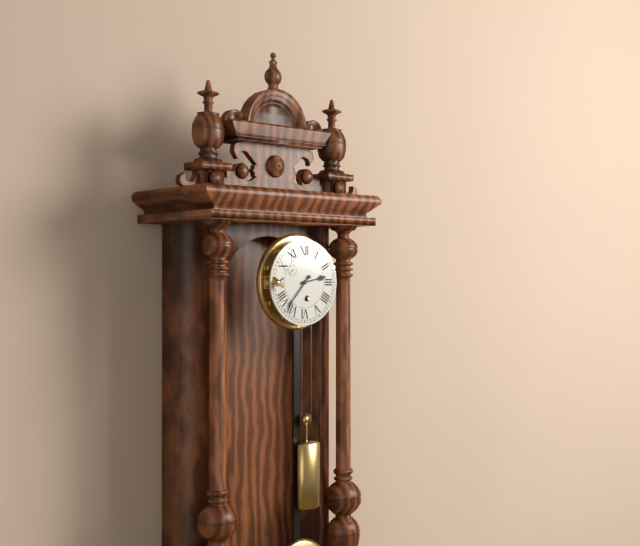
h=2 m=37
